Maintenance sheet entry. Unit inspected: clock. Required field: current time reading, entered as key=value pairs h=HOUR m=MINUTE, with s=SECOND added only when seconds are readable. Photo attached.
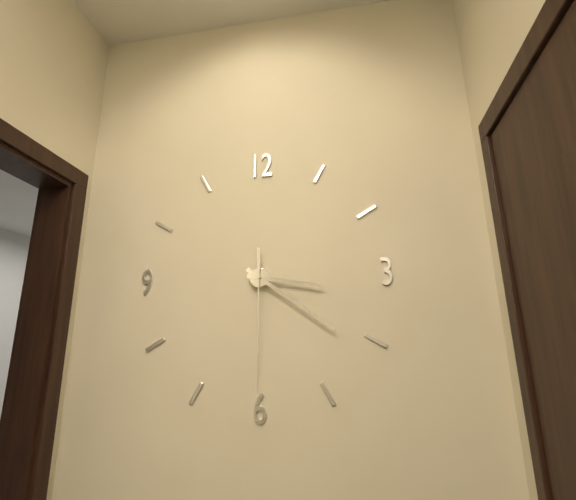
h=3 m=21 s=30
